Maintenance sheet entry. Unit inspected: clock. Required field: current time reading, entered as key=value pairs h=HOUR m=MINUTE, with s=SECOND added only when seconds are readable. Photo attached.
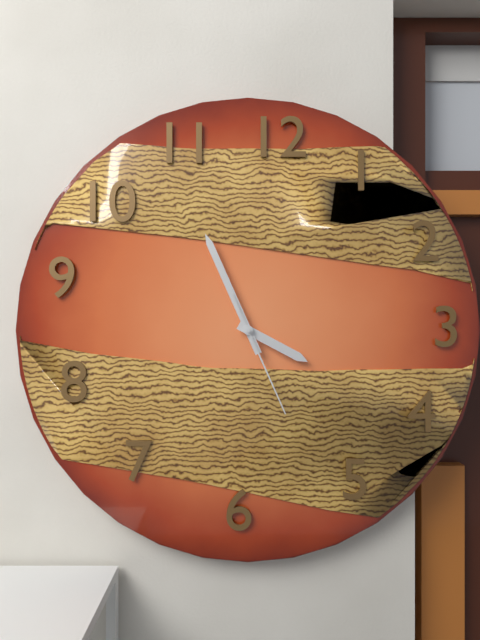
h=3 m=56 s=26
